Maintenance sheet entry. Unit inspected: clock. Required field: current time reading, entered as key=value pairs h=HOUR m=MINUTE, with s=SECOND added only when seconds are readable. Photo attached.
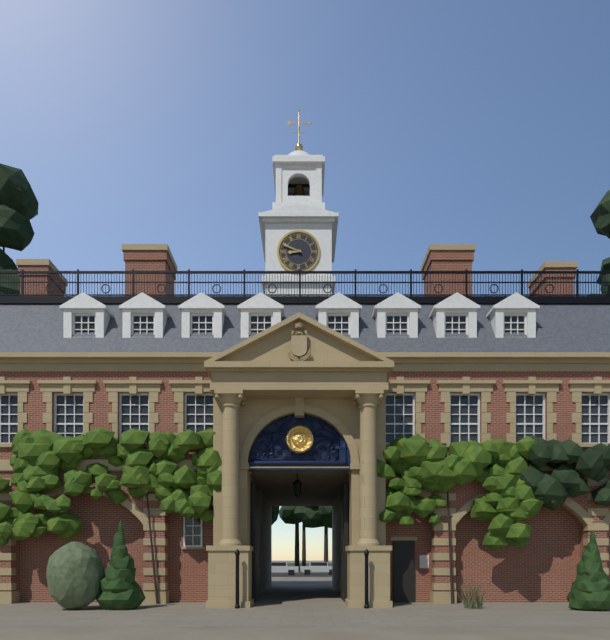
h=8 m=49
